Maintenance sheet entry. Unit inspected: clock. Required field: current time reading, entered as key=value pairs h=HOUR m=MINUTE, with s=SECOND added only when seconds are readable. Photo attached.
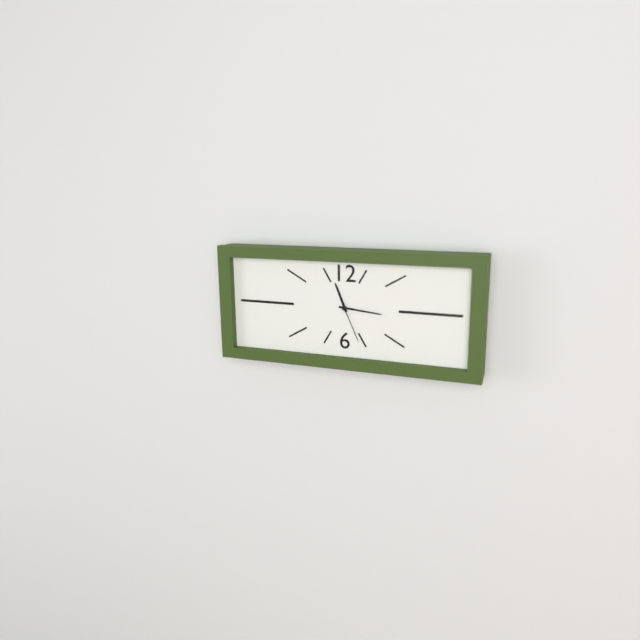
h=11 m=16
